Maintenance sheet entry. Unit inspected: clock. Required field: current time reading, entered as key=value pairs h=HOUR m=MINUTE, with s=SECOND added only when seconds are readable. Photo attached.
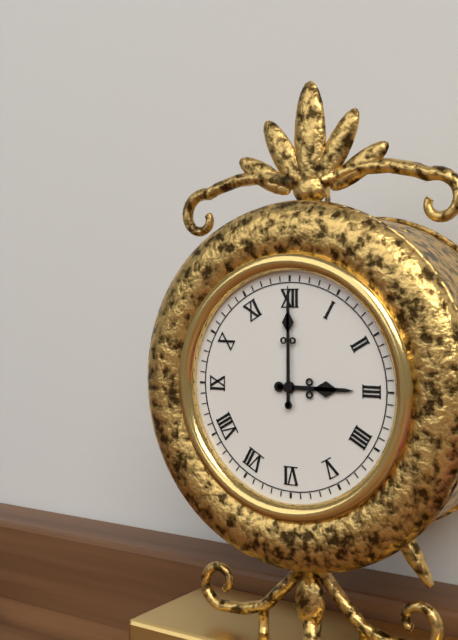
h=3 m=0
